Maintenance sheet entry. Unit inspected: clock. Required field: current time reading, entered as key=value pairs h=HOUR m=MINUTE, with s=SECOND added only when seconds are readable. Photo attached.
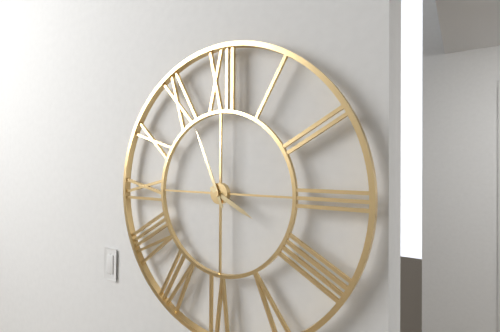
h=3 m=56
